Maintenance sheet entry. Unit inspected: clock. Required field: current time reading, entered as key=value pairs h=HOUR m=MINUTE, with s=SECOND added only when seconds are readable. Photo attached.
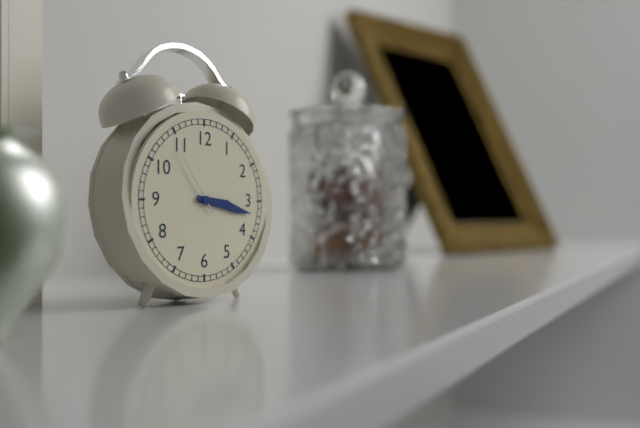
h=3 m=17 s=54
